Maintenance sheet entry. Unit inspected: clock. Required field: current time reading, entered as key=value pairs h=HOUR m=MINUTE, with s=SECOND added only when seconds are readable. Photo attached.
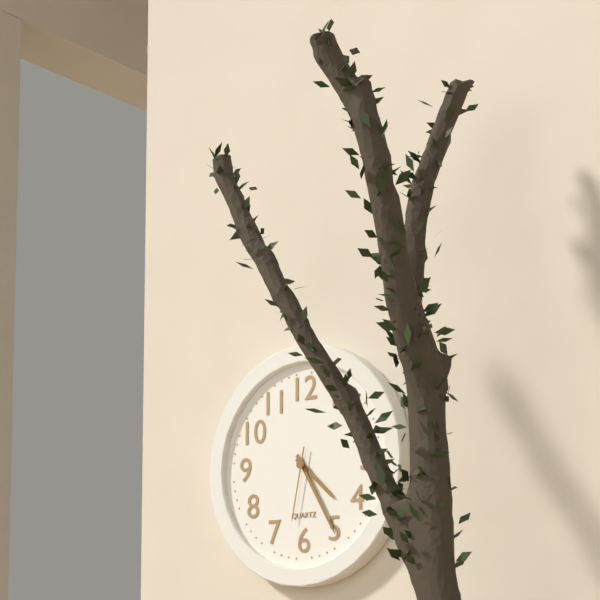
h=4 m=25 s=32
